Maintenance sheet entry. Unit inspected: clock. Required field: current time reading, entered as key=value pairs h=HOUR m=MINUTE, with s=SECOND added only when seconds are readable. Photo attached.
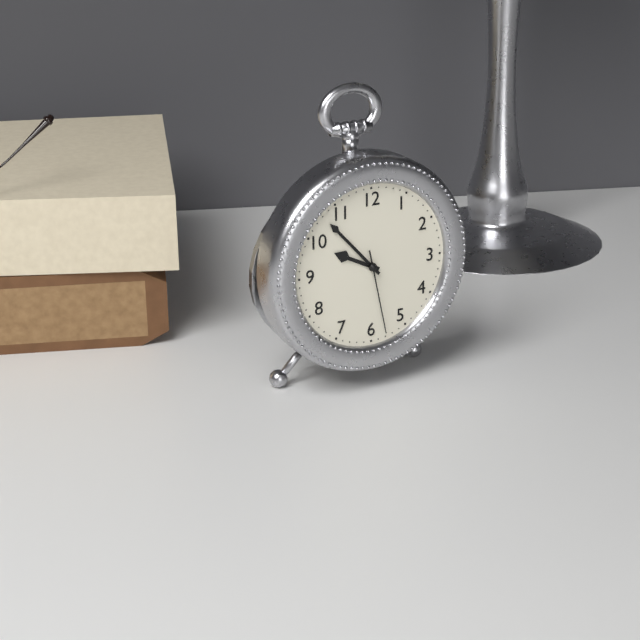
h=9 m=53 s=28
